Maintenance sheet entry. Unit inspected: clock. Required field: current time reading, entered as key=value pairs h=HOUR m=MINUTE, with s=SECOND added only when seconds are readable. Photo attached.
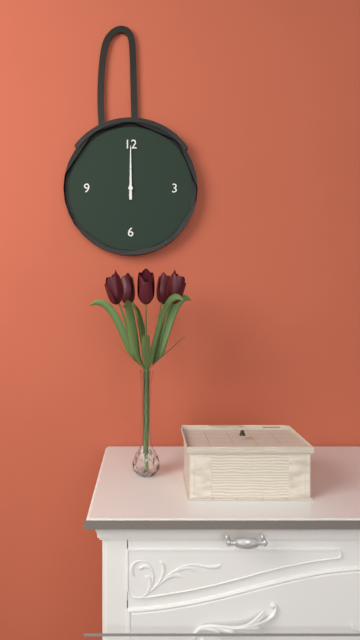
h=12 m=0
